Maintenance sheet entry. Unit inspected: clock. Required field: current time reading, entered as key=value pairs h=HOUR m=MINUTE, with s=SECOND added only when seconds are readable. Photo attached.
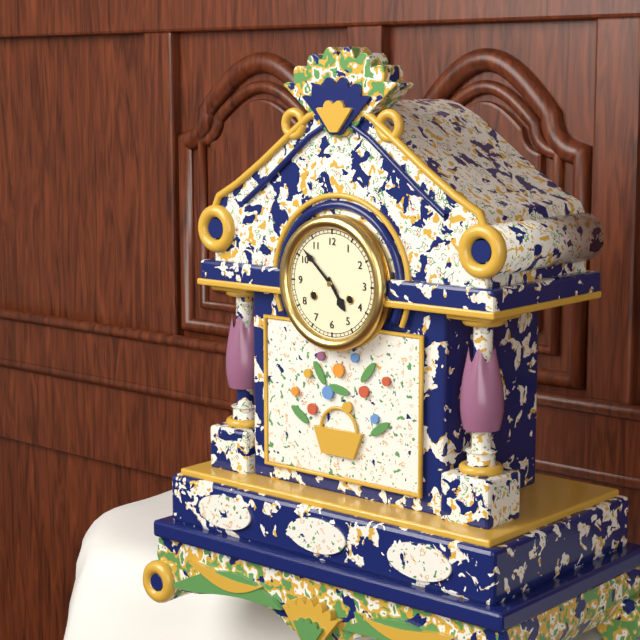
h=4 m=52
